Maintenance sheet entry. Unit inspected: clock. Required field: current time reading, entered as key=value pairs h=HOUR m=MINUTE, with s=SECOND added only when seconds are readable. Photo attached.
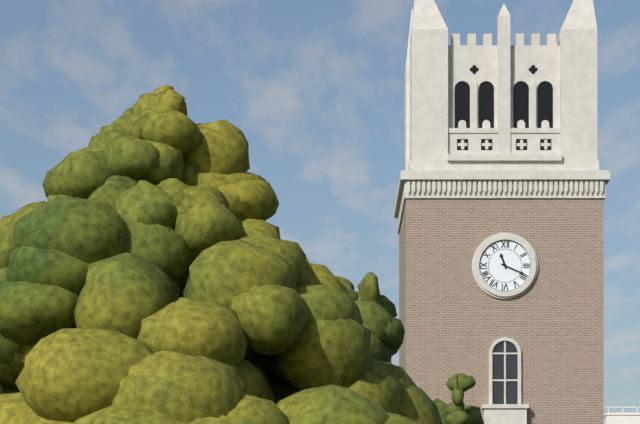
h=11 m=19
